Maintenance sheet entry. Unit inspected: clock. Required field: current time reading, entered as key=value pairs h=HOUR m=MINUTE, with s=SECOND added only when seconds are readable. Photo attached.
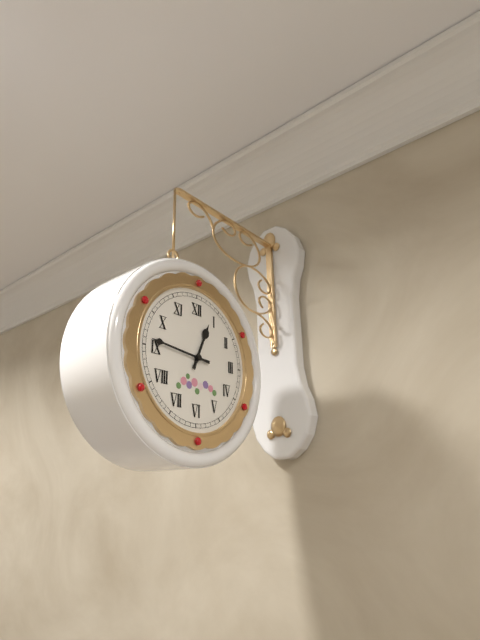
h=12 m=46
